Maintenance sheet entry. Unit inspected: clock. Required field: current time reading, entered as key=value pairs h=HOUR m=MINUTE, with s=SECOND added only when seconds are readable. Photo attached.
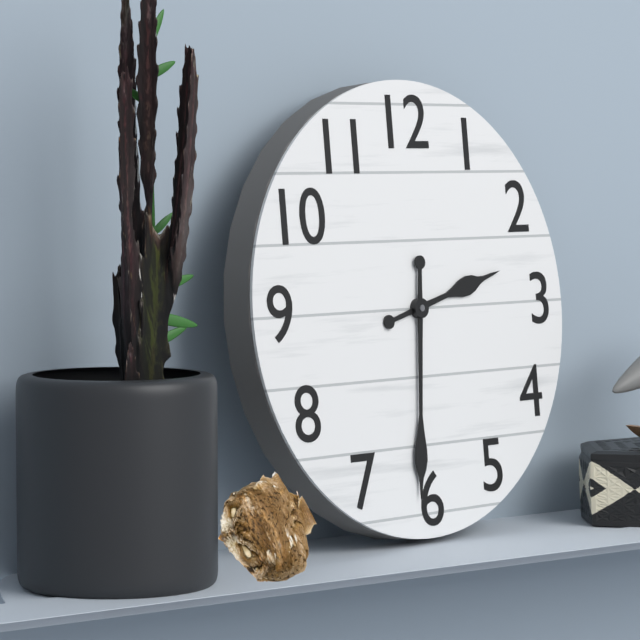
h=2 m=31
